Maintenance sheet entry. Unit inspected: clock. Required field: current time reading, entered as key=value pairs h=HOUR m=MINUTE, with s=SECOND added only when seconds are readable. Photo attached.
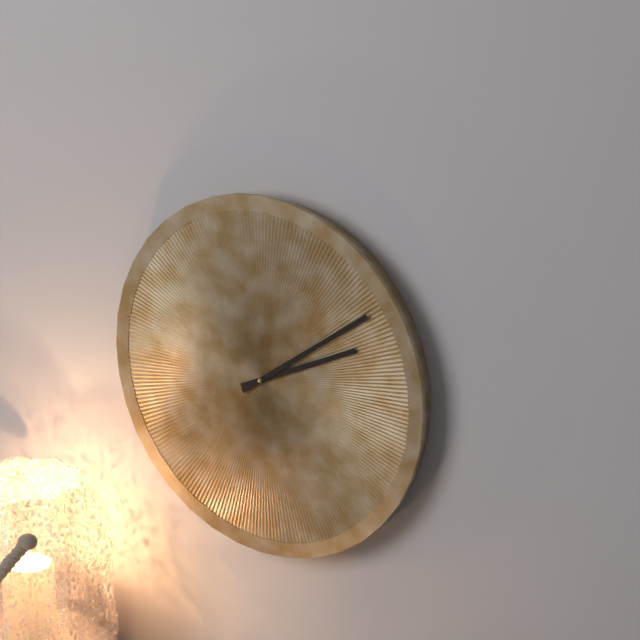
h=2 m=9
